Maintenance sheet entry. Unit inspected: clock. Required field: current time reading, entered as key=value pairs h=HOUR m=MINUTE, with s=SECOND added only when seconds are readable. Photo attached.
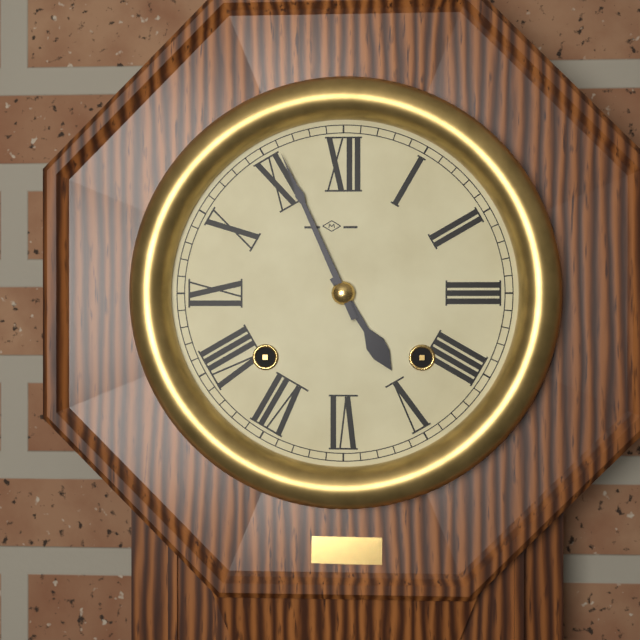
h=4 m=56
